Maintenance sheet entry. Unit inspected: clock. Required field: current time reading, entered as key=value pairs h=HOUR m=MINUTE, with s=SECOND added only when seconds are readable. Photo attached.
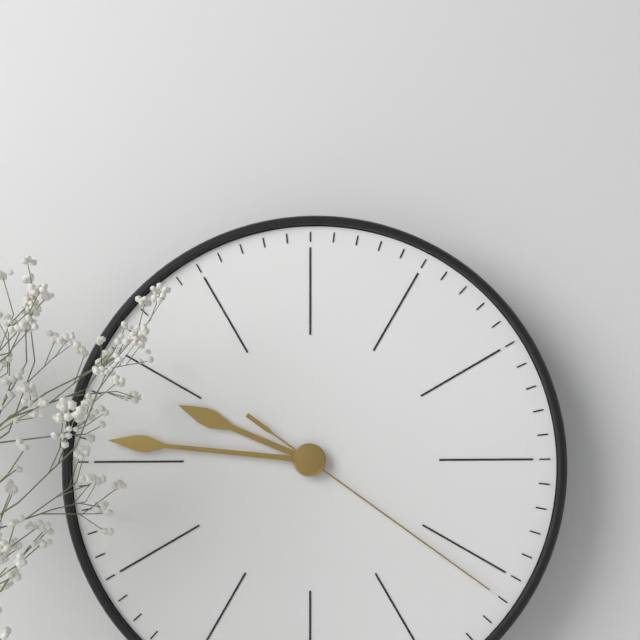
h=9 m=46 s=21
